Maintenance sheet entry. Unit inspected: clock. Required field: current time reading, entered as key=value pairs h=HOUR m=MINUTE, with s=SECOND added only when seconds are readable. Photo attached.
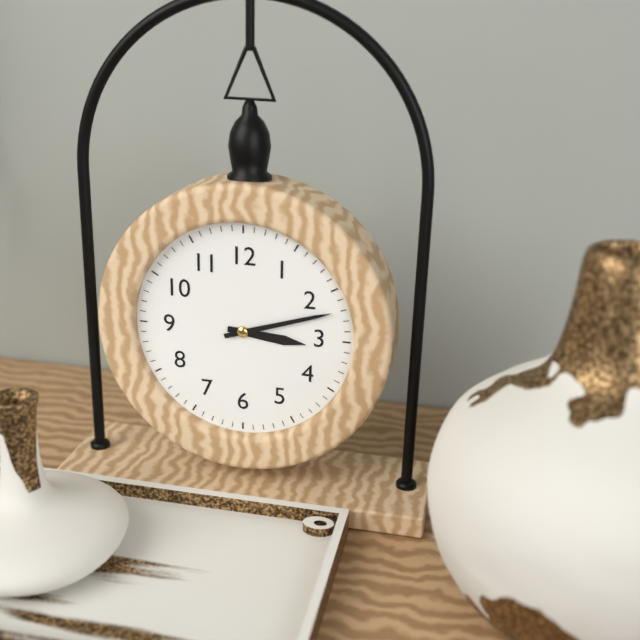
h=3 m=12
